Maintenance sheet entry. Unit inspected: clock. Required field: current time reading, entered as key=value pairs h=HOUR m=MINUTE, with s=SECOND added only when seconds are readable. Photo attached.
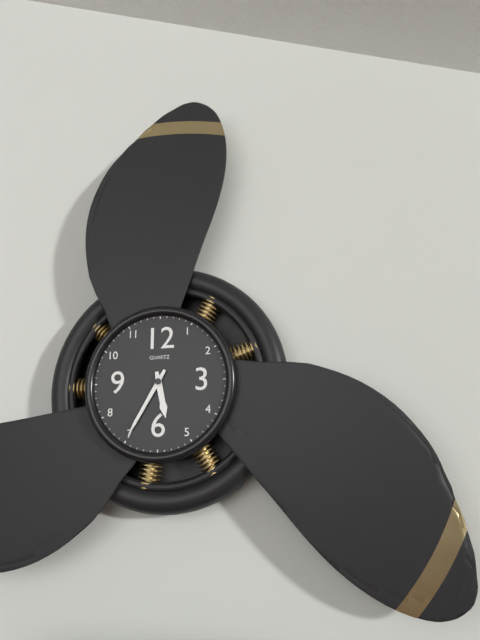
h=5 m=35
